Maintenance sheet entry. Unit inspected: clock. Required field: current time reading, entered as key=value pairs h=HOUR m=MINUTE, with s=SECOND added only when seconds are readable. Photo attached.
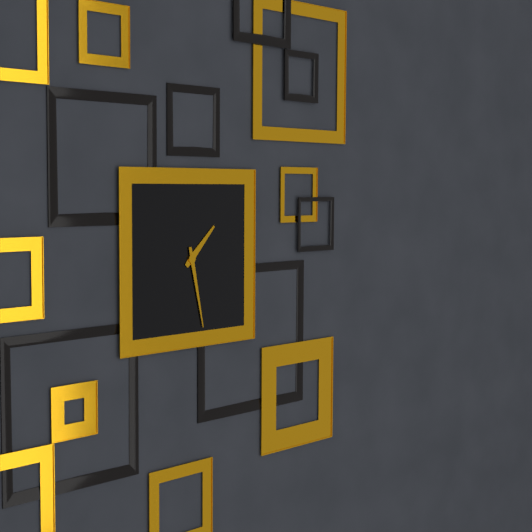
h=1 m=28
